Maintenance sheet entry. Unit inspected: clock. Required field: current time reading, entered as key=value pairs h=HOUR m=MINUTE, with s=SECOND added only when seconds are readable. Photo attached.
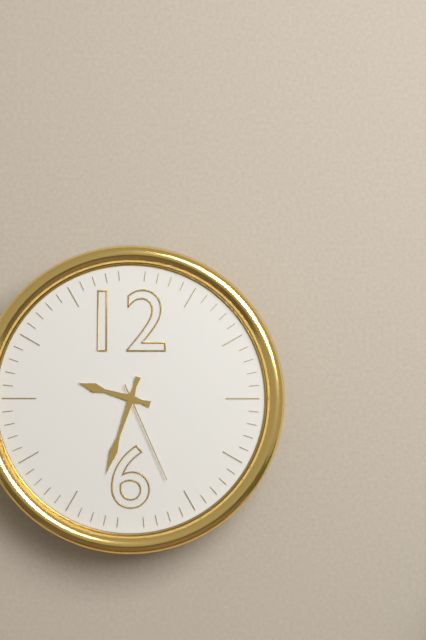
h=9 m=33 s=26
